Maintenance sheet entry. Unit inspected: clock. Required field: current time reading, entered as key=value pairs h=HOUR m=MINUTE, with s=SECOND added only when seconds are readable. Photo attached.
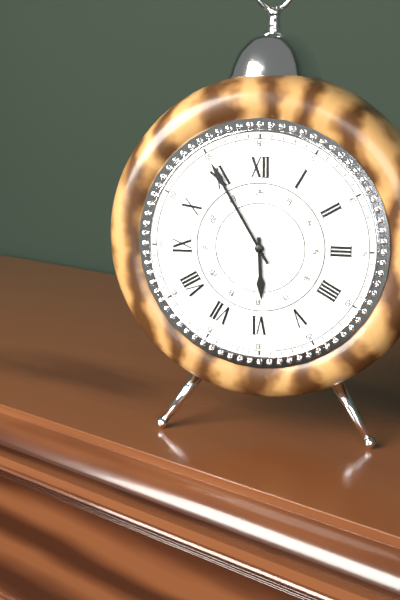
h=5 m=55
